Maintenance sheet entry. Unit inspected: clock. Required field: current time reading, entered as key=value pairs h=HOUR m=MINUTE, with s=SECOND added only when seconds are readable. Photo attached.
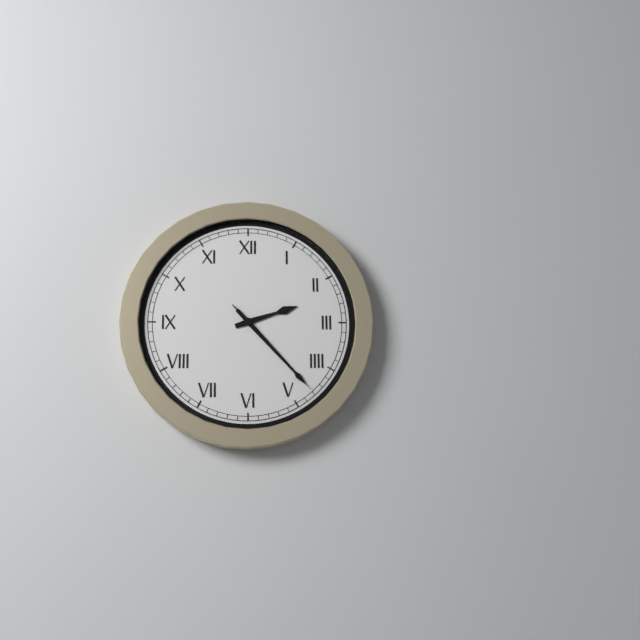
h=2 m=23 s=23
